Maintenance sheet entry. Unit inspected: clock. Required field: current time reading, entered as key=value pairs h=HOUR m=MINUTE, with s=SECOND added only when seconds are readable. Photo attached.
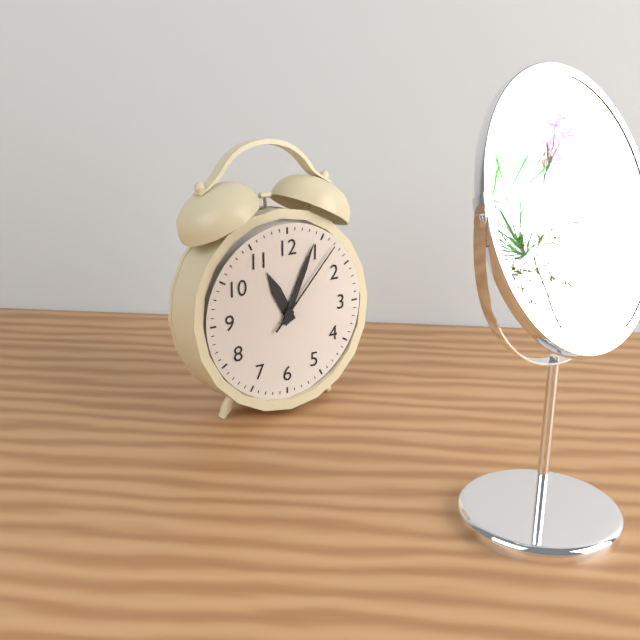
h=11 m=4 s=7
